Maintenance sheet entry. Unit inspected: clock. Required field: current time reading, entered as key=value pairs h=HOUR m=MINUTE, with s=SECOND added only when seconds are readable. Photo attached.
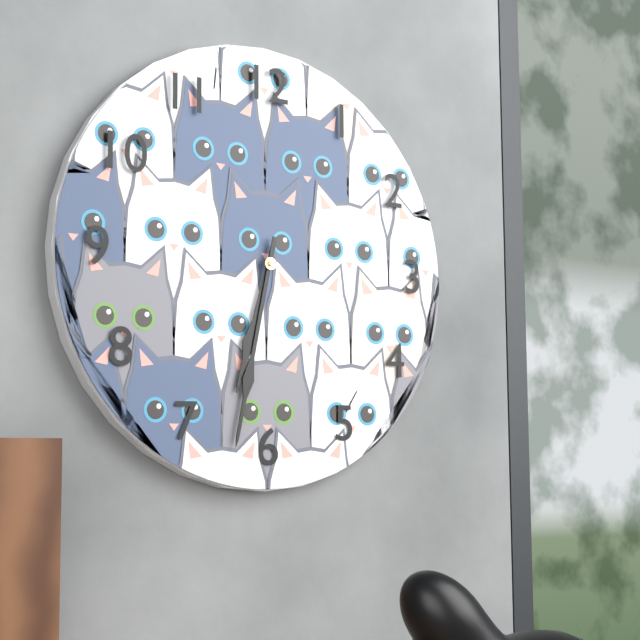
h=6 m=32
